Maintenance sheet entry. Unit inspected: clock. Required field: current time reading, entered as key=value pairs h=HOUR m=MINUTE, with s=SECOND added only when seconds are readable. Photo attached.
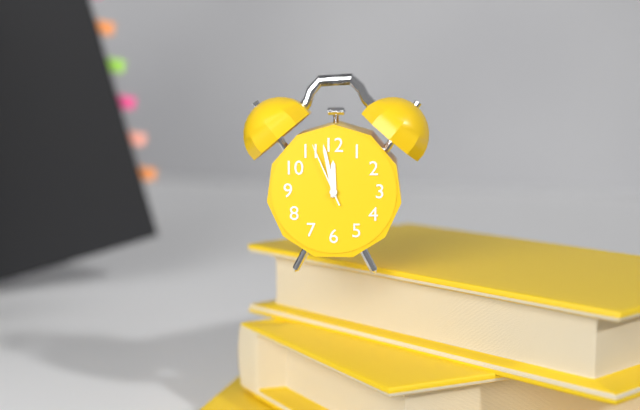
h=11 m=58 s=56
